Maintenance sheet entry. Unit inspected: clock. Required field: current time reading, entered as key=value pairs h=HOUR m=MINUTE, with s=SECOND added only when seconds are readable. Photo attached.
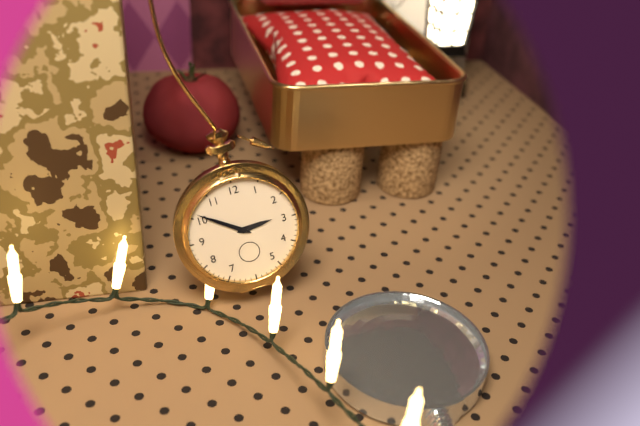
h=2 m=51
